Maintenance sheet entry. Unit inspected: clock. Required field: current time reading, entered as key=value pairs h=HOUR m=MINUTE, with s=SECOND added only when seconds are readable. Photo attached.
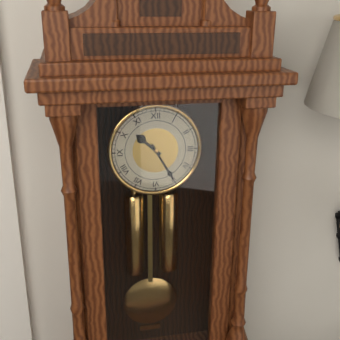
h=10 m=25
